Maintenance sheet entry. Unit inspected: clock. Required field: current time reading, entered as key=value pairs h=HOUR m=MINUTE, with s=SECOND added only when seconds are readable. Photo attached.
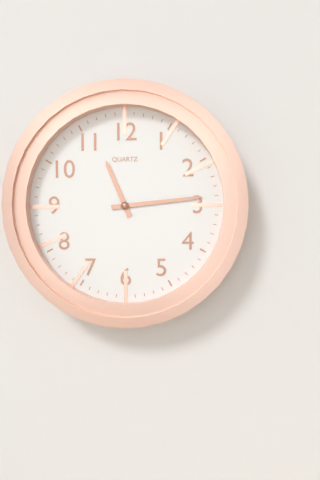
h=11 m=14
